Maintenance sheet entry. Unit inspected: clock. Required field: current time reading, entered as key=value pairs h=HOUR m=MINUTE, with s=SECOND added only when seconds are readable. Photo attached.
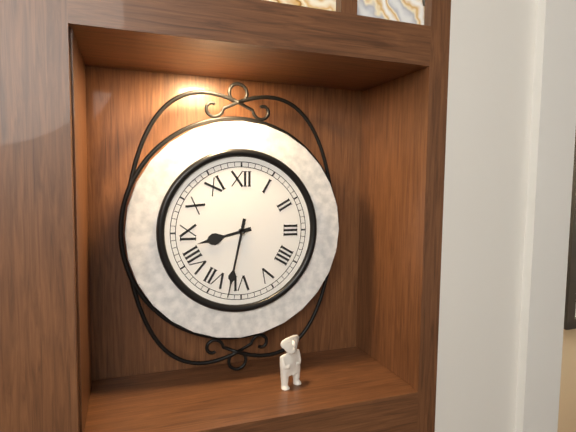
h=8 m=32
